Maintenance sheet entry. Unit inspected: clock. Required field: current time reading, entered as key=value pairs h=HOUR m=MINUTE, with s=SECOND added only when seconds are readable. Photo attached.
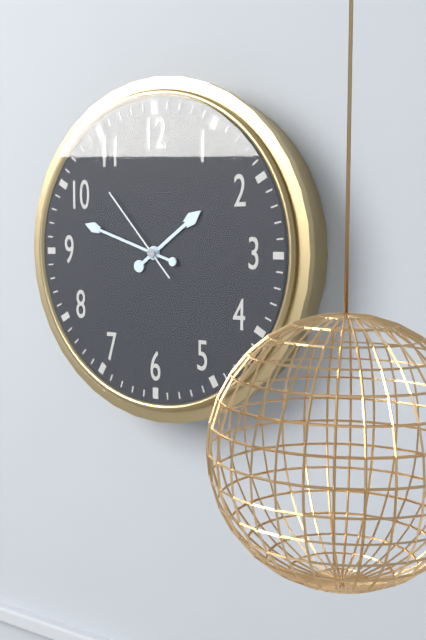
h=1 m=48 s=53
